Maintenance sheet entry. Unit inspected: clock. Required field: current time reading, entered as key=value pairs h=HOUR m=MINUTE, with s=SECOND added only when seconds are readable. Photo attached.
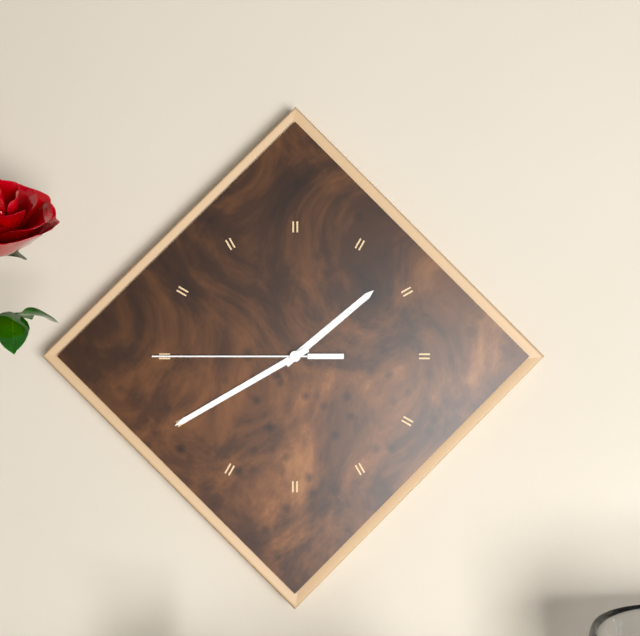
h=1 m=40 s=45
